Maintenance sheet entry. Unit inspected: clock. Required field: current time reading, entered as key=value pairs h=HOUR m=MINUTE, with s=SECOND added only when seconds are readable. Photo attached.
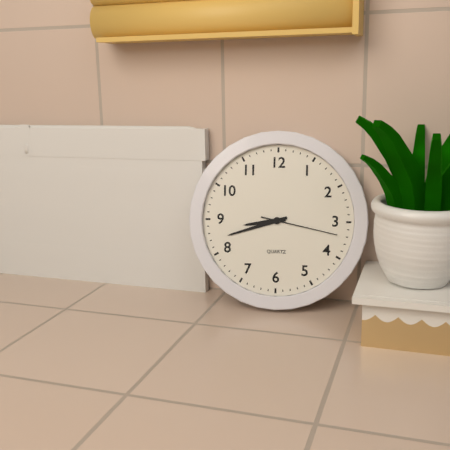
h=8 m=42 s=17
